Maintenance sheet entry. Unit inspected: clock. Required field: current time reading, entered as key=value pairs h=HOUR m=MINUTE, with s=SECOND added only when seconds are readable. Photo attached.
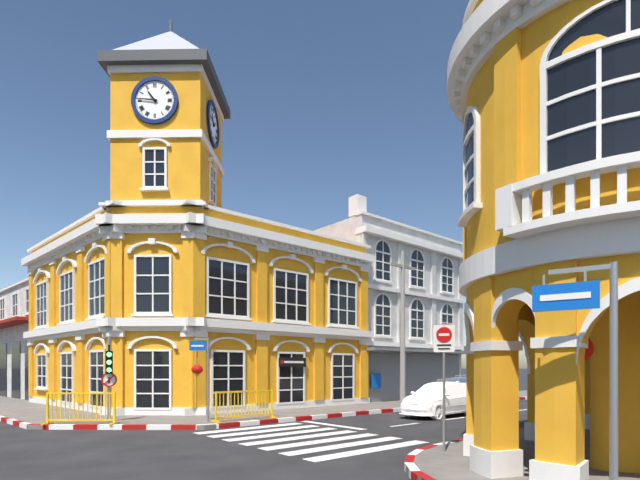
h=10 m=46
